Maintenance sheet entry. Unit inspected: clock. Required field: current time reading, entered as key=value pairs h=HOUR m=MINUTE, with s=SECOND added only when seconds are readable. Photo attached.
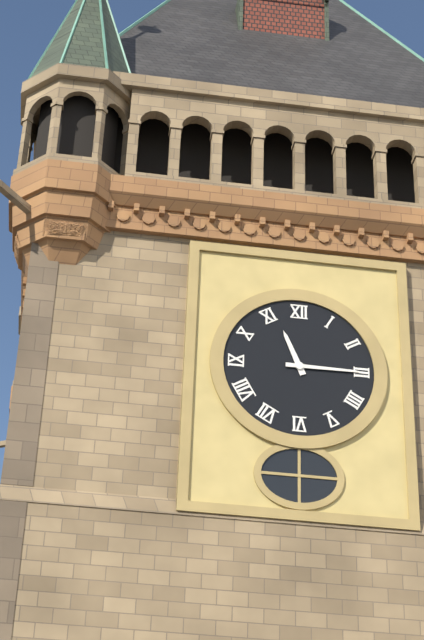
h=11 m=15
